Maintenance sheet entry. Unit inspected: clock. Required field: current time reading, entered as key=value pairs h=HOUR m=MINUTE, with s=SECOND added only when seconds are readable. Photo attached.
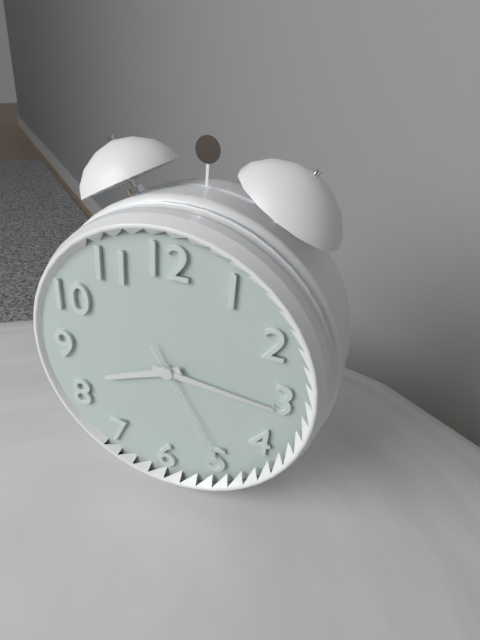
h=8 m=16 s=25
